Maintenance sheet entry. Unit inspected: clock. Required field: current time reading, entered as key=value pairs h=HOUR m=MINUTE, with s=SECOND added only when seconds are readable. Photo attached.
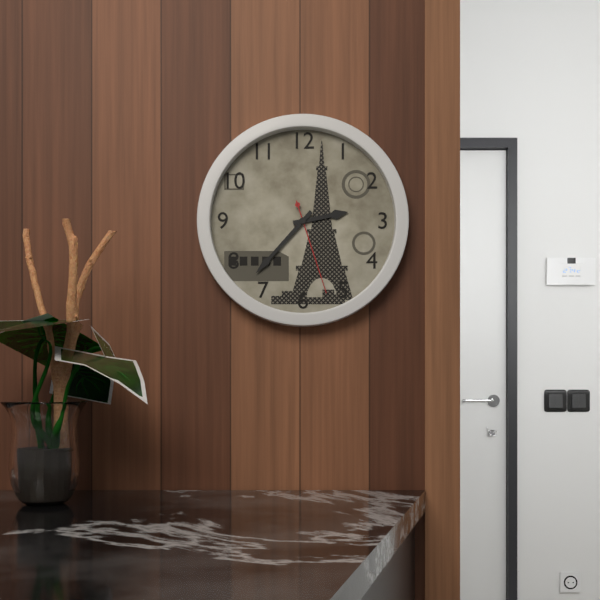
h=2 m=37 s=27
